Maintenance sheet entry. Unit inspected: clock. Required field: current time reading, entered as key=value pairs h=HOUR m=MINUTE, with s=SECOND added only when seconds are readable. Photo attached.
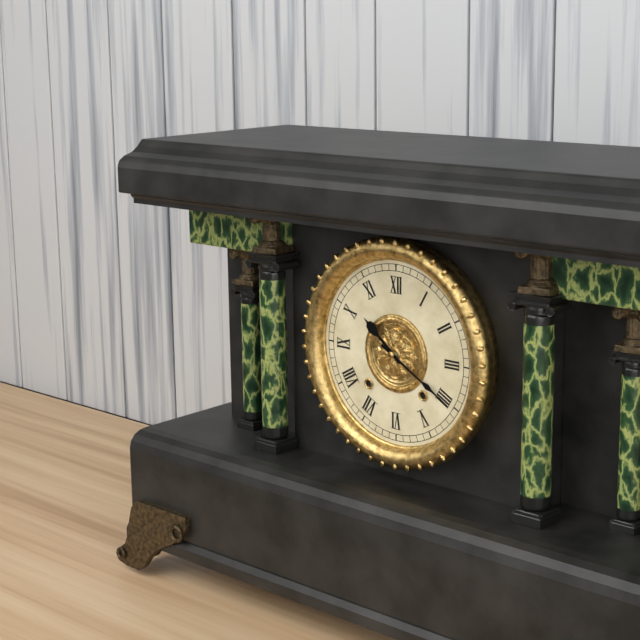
h=10 m=20
